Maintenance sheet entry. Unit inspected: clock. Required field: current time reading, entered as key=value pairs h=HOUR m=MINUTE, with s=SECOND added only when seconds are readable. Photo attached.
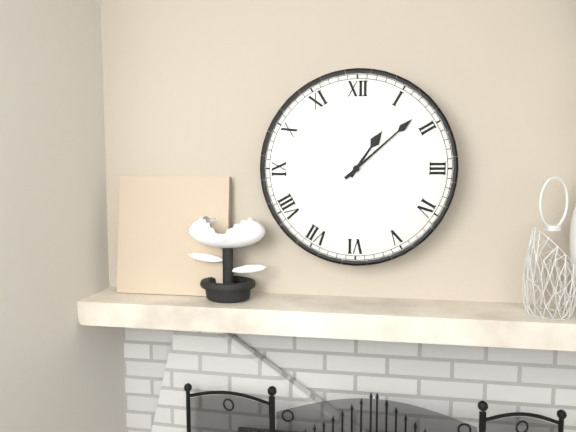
h=1 m=8
